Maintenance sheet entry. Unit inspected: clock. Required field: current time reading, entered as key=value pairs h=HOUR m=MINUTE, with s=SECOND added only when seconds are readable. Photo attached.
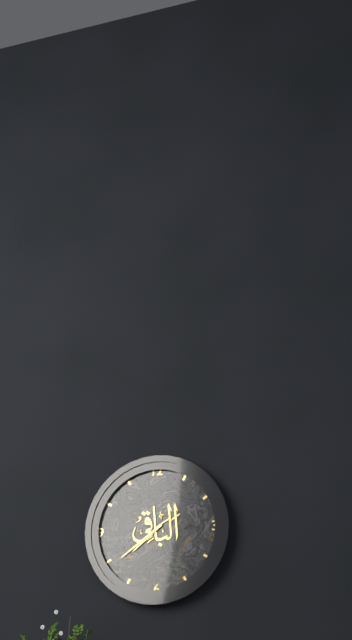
h=7 m=39
